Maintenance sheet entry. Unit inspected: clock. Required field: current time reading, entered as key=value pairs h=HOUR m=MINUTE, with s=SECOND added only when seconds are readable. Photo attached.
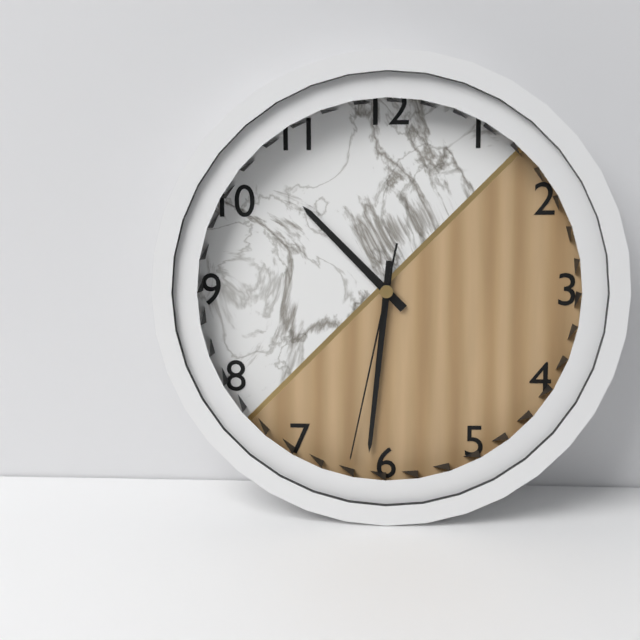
h=10 m=31 s=32
